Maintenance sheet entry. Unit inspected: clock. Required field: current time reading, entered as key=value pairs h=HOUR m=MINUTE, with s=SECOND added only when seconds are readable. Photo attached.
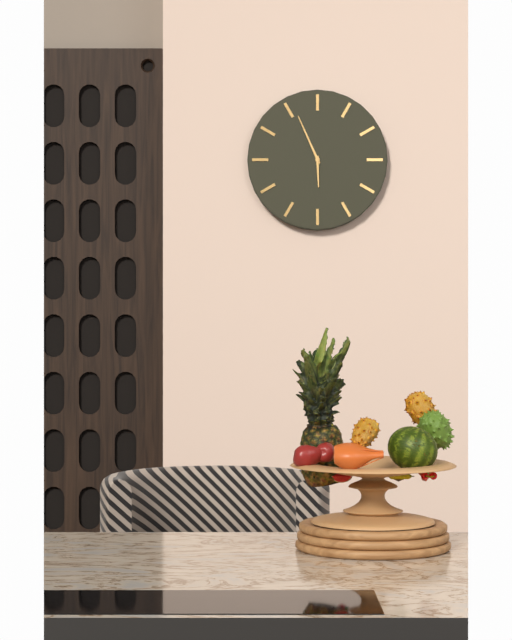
h=5 m=56
